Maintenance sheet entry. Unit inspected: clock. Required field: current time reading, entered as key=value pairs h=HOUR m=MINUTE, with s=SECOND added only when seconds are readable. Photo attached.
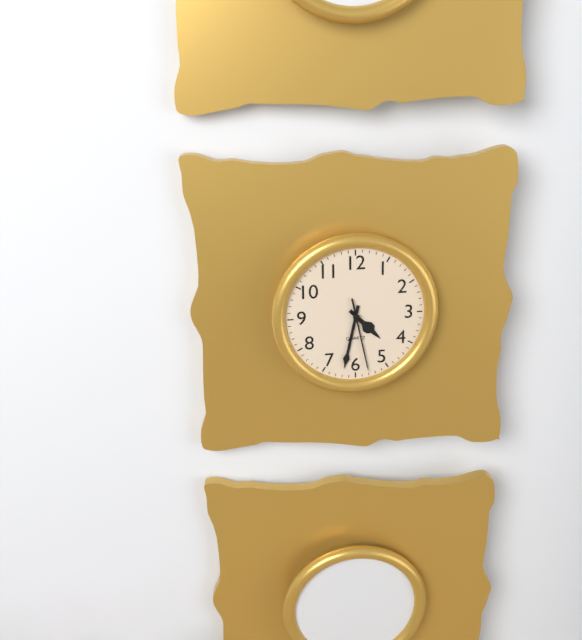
h=4 m=32 s=28
